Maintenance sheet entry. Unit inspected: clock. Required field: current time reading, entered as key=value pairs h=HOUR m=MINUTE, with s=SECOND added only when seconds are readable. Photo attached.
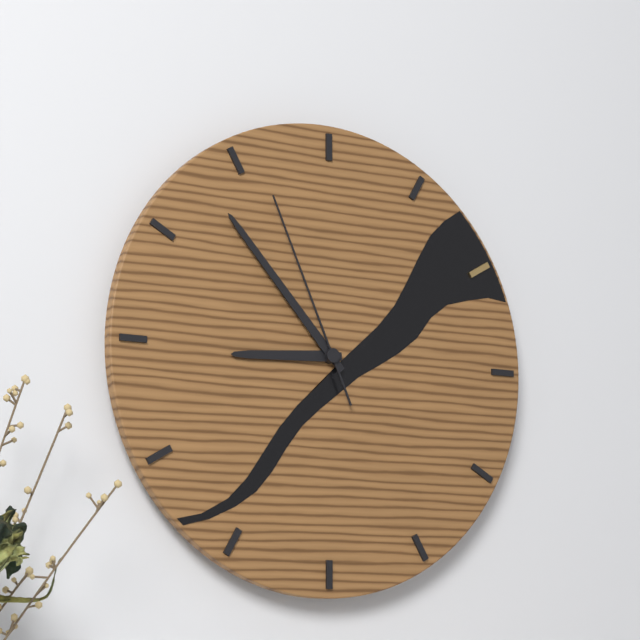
h=8 m=53 s=56
